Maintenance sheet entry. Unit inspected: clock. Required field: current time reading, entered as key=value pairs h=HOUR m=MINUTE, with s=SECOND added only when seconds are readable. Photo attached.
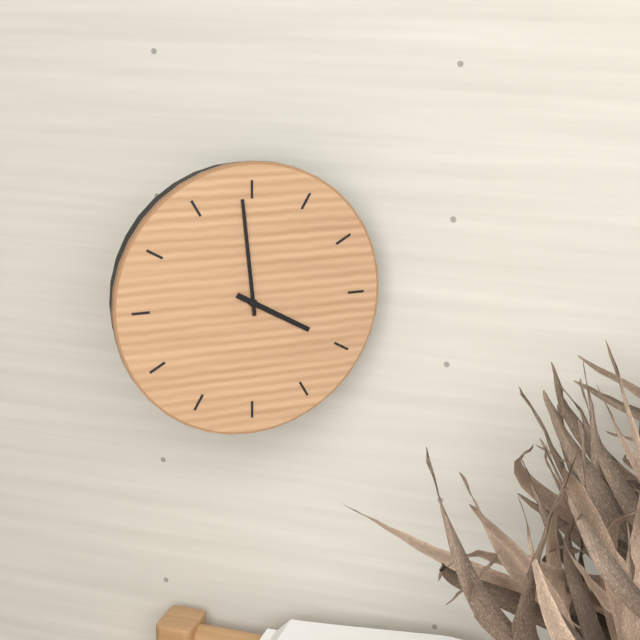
h=3 m=59
